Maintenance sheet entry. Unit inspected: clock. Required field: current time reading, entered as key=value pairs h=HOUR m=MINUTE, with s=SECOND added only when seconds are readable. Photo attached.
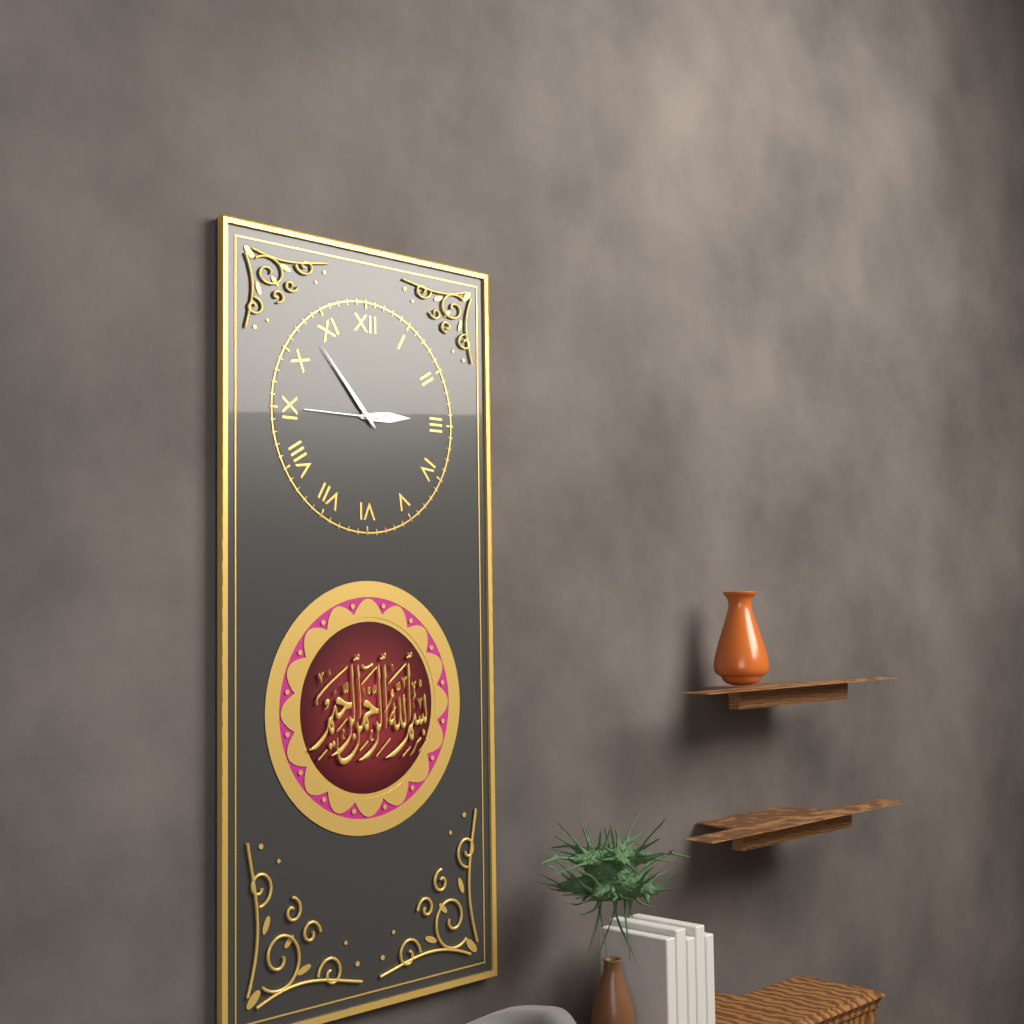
h=2 m=53 s=45
